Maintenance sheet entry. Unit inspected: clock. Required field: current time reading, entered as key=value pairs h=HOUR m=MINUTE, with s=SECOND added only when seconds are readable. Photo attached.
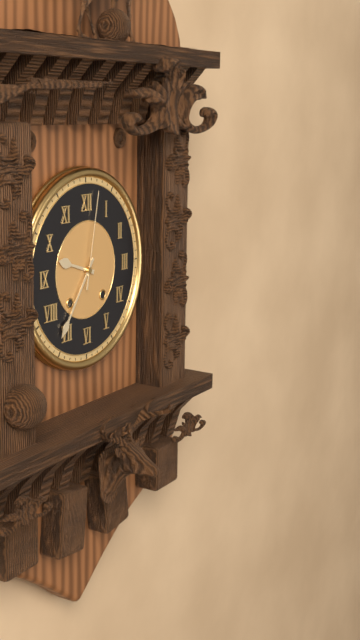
h=9 m=36 s=2
